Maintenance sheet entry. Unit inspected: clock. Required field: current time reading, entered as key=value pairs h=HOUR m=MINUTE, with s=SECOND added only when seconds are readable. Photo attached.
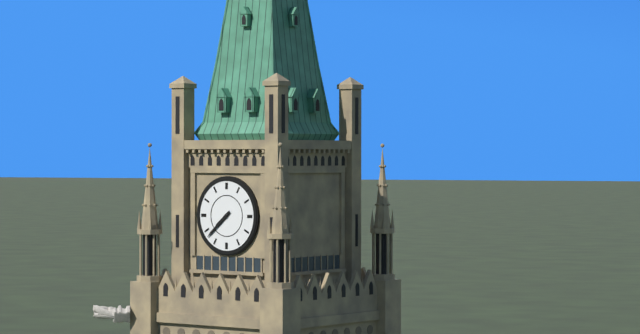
h=7 m=38
